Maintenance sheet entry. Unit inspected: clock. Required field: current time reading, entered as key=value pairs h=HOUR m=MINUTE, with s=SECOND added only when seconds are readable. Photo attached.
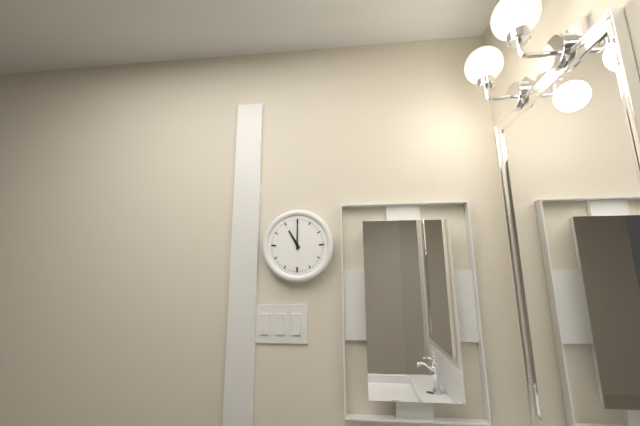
h=11 m=0
